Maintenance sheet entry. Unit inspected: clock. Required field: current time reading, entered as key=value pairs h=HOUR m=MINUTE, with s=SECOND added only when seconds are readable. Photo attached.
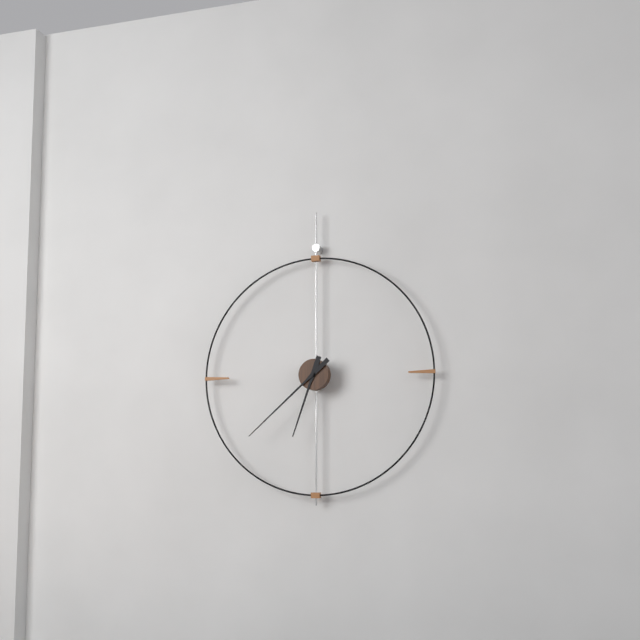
h=6 m=38
